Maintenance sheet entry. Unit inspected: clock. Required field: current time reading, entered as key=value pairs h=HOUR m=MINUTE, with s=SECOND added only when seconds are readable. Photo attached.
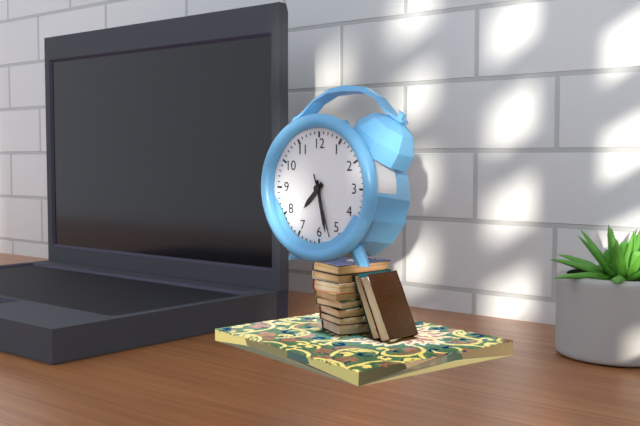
h=7 m=28 s=27
